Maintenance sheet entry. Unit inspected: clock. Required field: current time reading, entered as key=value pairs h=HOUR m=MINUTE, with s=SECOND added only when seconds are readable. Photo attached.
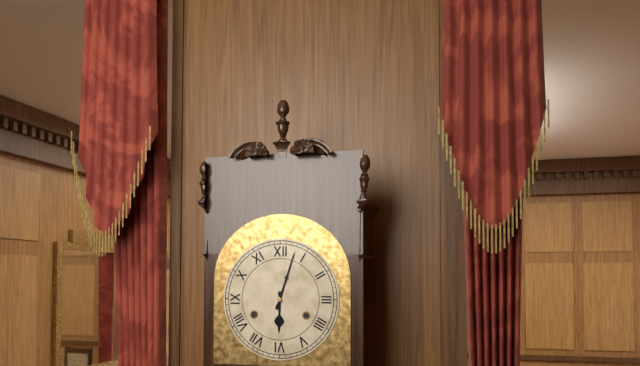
h=6 m=3
